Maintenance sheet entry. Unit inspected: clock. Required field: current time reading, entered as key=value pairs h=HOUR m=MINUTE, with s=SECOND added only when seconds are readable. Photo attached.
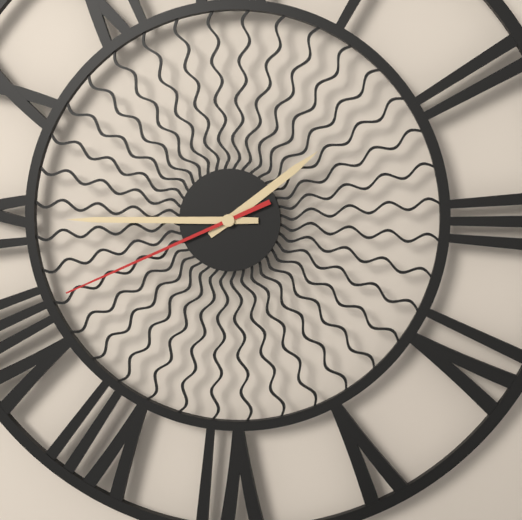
h=1 m=45 s=41
